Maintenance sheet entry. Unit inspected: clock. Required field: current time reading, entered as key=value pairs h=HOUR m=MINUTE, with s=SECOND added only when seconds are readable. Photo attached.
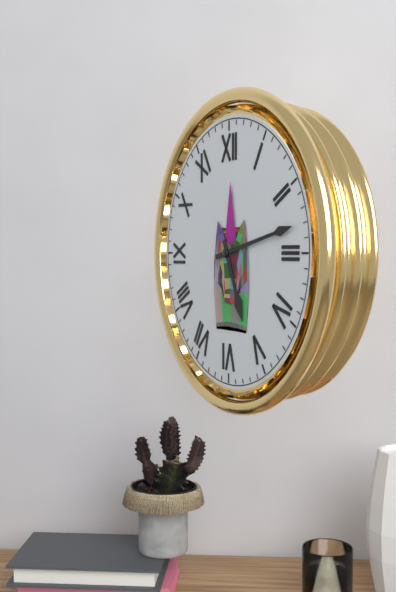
h=5 m=13
